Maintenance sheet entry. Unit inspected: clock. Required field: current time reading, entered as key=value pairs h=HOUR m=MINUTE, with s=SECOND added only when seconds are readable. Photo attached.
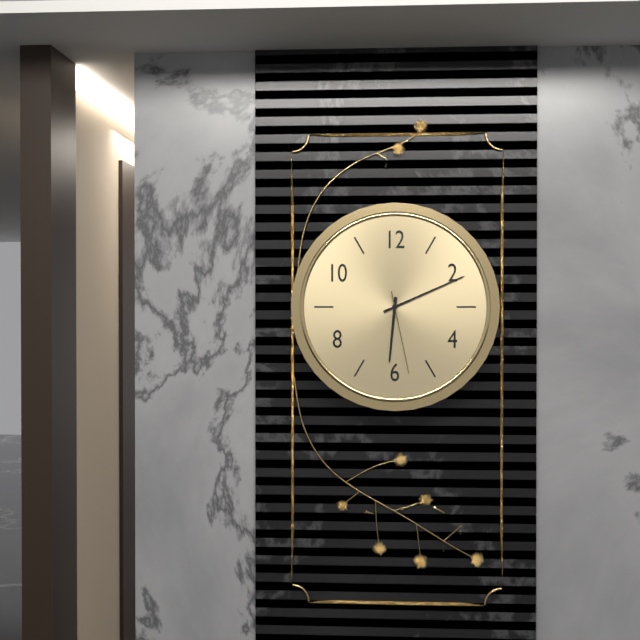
h=6 m=11 s=28
